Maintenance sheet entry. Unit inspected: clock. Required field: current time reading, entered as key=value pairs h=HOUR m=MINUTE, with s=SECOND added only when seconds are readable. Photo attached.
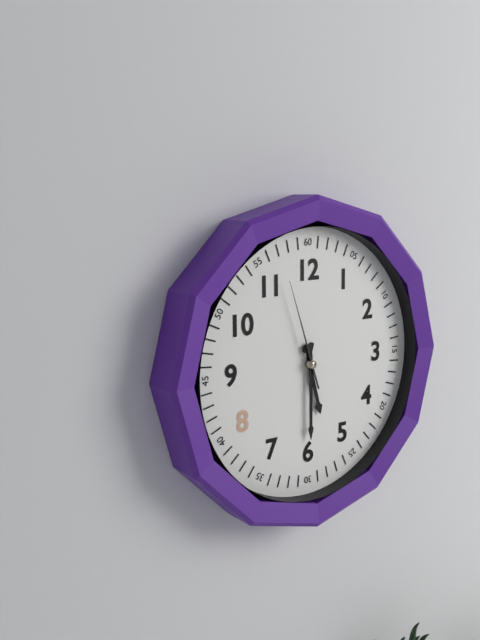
h=5 m=30 s=57
